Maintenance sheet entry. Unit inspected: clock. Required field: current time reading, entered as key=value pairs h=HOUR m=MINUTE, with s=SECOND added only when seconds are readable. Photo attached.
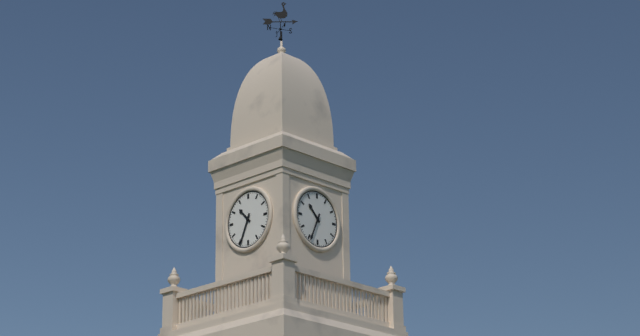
h=10 m=34
